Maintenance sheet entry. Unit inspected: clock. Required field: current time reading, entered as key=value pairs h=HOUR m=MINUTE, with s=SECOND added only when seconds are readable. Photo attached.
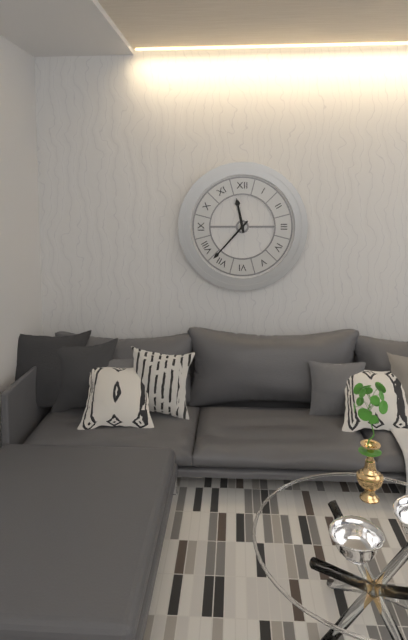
h=11 m=37
